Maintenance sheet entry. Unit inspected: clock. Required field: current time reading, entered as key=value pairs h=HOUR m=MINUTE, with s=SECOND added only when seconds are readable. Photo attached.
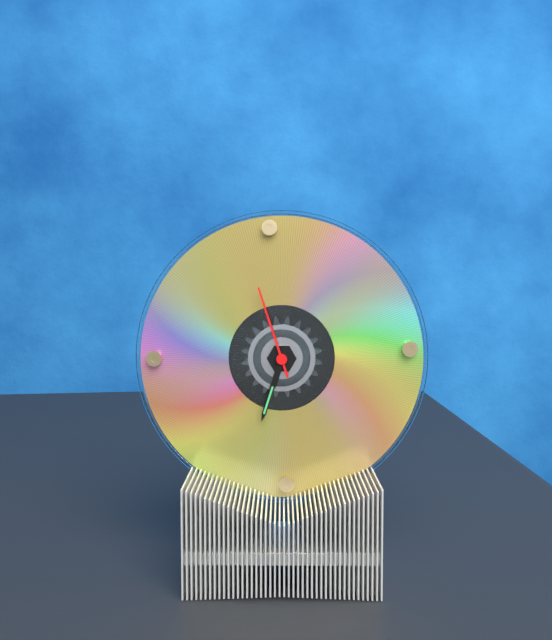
h=6 m=33 s=57
